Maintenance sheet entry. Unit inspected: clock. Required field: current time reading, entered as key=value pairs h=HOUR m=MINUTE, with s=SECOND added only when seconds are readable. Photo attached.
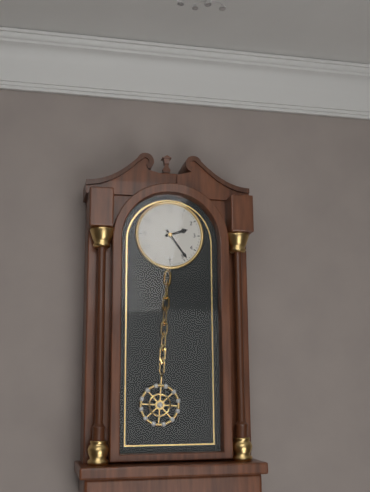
h=2 m=24
